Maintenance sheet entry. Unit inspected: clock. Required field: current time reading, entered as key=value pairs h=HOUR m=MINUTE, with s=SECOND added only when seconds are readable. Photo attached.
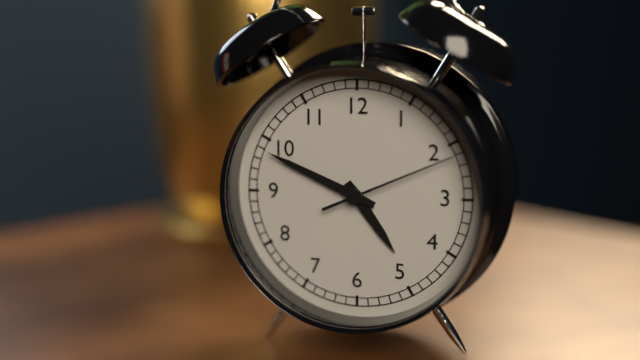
h=4 m=49 s=11
